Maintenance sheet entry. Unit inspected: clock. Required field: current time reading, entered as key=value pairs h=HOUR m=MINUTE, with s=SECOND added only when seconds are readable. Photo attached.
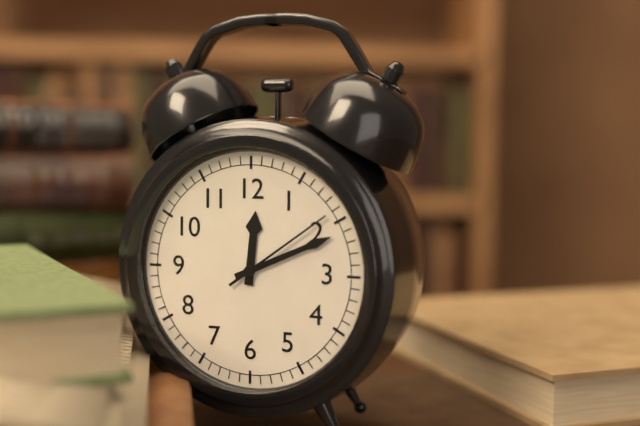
h=12 m=11 s=9
